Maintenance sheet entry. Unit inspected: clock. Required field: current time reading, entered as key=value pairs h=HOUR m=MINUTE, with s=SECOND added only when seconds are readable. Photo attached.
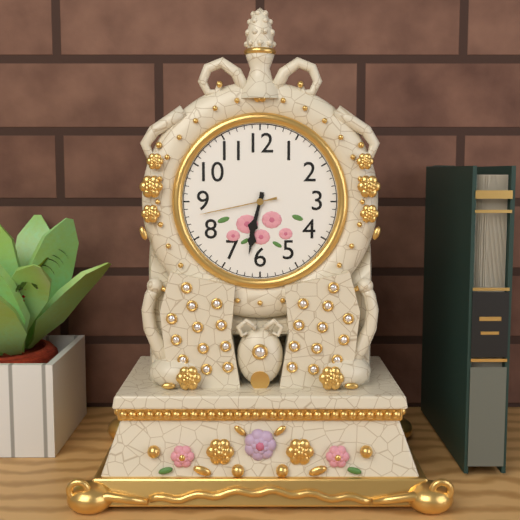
h=6 m=32 s=43
